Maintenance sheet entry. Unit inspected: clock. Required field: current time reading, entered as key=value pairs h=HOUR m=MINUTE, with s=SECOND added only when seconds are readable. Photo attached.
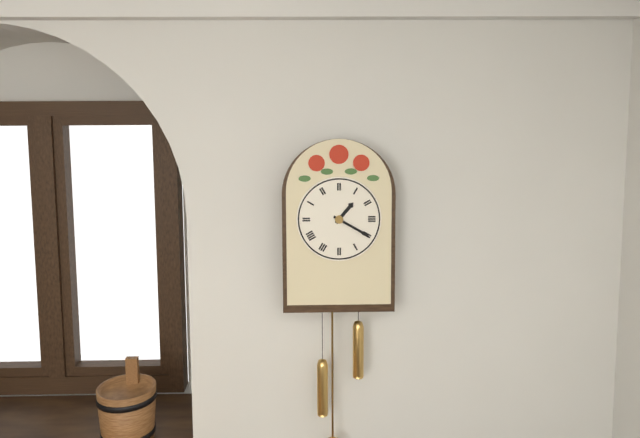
h=1 m=20
